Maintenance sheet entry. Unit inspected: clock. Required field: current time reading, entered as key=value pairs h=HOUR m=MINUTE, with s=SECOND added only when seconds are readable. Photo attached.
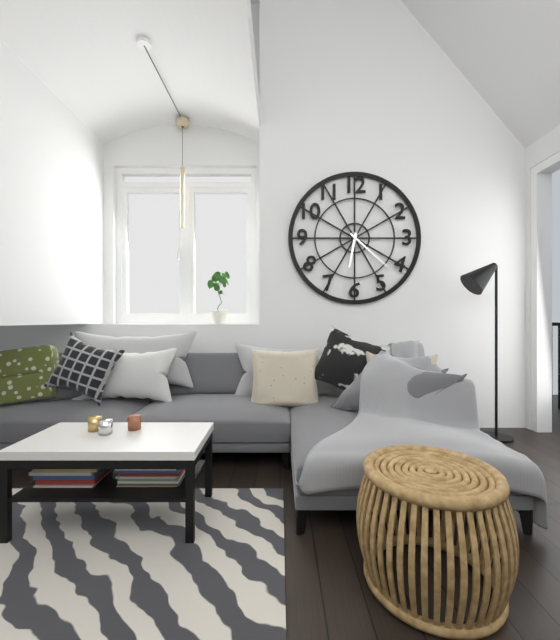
h=6 m=22
